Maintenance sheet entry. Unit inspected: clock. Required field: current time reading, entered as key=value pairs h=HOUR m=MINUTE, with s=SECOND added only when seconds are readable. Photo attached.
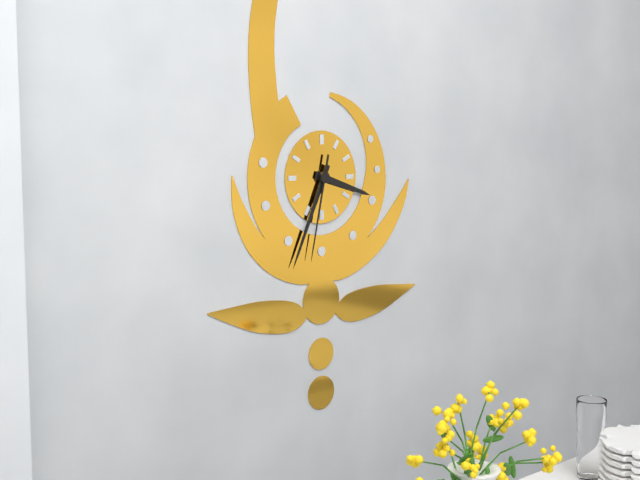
h=3 m=34 s=32
